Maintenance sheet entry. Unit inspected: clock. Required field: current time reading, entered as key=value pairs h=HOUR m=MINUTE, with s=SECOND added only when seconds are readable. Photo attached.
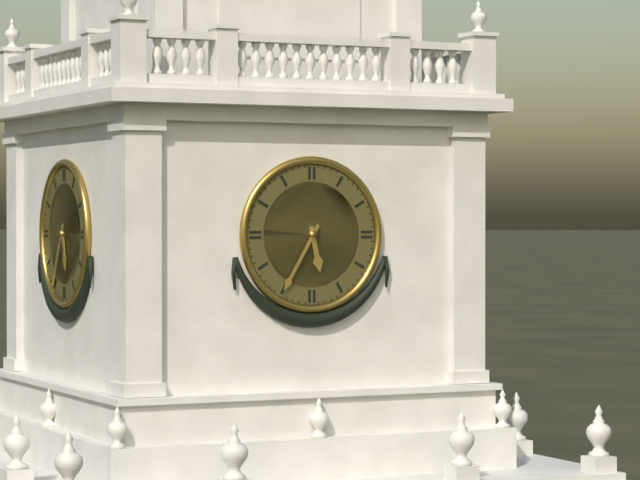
h=5 m=35
